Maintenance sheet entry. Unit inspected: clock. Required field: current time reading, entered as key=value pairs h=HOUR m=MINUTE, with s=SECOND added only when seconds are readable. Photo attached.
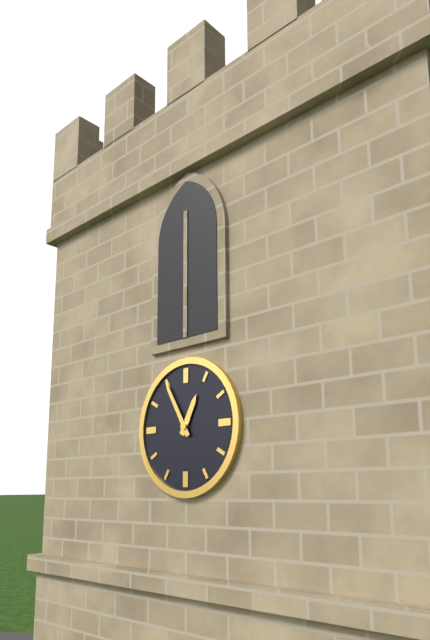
h=12 m=55
